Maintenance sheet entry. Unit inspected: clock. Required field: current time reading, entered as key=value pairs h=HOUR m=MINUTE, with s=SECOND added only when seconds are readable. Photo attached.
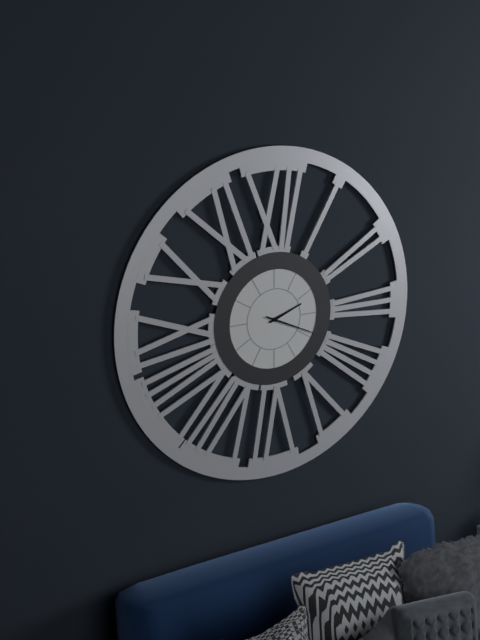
h=2 m=19
